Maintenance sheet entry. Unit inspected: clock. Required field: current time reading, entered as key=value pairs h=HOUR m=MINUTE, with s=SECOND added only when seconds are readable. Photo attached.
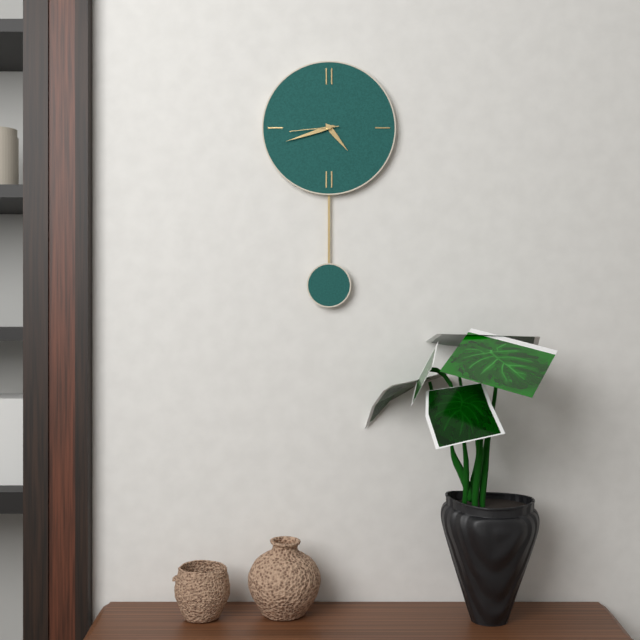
h=4 m=42
